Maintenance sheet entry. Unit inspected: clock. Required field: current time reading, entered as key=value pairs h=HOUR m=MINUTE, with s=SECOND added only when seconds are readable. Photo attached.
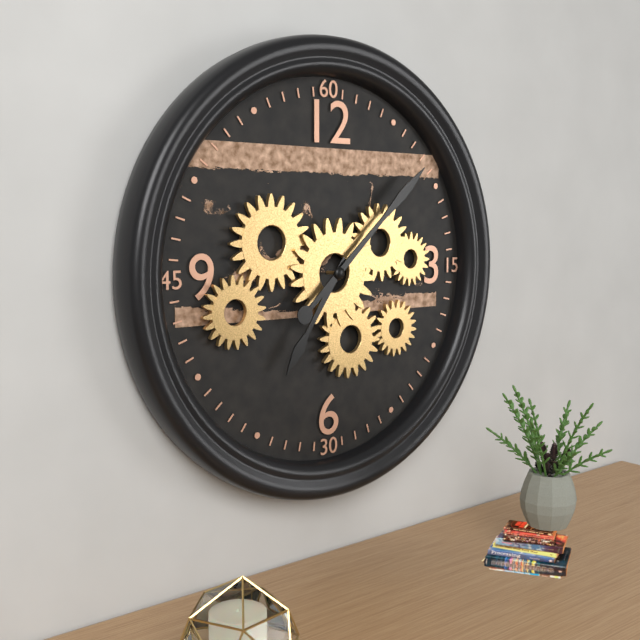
h=7 m=8
